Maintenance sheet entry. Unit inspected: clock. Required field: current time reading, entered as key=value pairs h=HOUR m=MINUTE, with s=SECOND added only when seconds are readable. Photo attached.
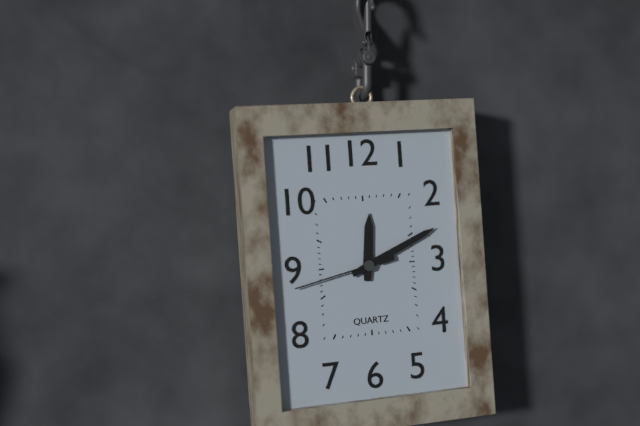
h=12 m=11 s=43
